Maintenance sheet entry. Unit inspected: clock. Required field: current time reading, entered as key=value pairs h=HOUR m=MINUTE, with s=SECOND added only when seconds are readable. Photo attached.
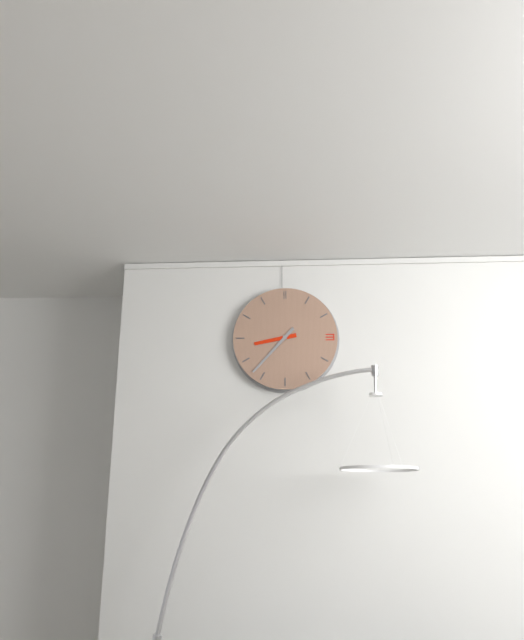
h=8 m=37
